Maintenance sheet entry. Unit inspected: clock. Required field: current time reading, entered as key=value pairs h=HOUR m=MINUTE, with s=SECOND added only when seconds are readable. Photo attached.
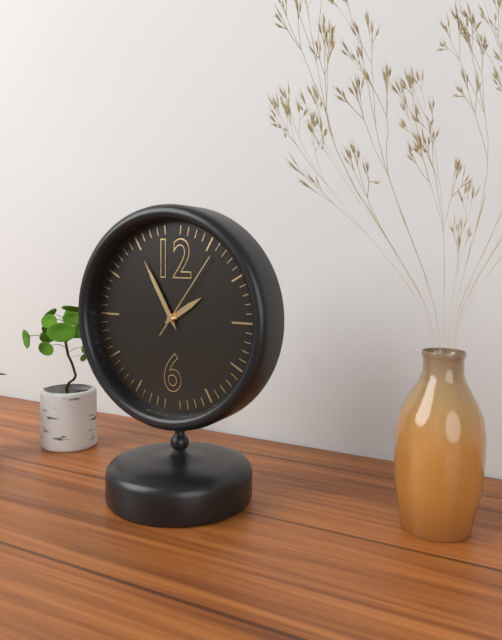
h=1 m=55 s=6
